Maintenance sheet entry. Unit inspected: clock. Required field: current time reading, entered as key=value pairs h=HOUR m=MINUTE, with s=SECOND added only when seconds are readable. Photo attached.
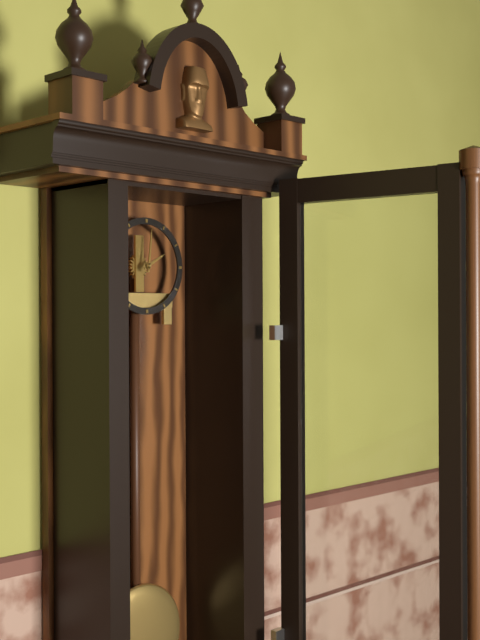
h=2 m=1
